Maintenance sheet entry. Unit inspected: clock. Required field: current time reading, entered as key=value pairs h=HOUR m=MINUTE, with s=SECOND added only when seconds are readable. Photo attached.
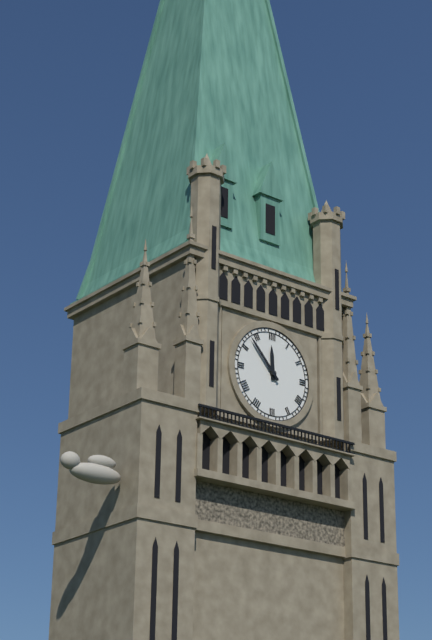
h=11 m=53
